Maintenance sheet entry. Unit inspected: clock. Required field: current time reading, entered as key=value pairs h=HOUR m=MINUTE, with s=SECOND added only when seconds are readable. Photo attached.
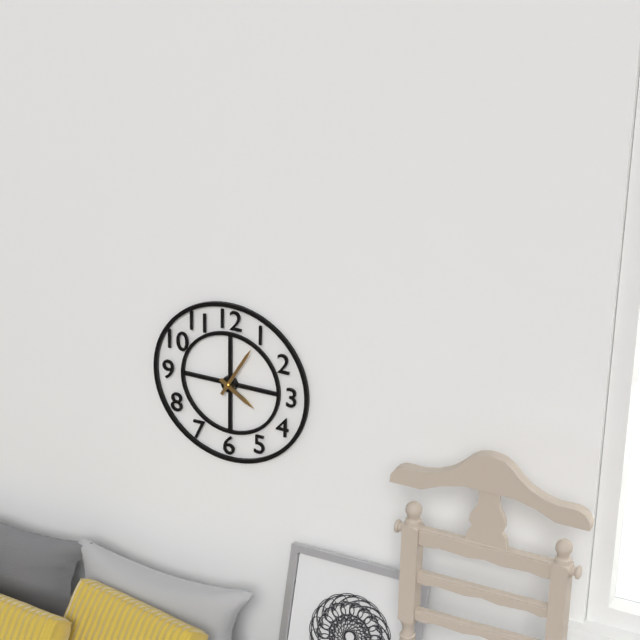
h=4 m=5
